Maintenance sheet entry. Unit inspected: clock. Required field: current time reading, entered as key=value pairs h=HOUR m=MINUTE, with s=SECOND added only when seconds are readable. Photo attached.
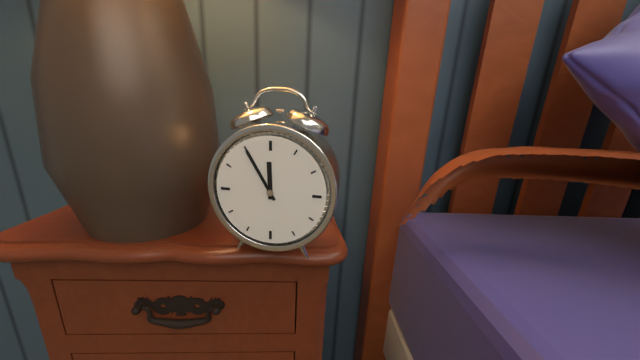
h=11 m=55
